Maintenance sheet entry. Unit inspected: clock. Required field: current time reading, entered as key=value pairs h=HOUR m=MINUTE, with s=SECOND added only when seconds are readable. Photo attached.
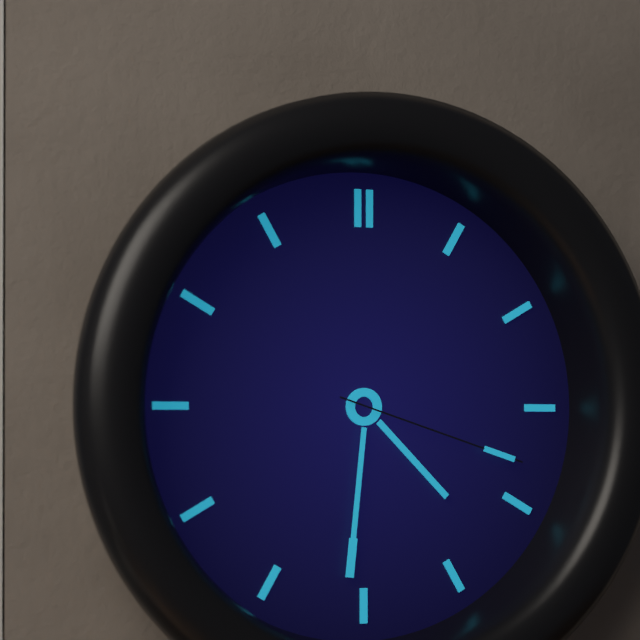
h=4 m=31 s=18
